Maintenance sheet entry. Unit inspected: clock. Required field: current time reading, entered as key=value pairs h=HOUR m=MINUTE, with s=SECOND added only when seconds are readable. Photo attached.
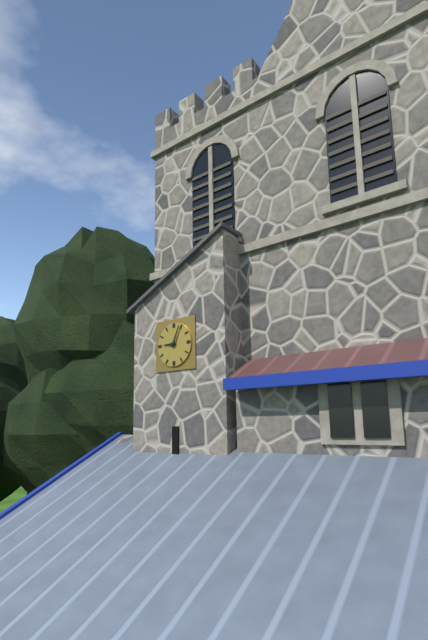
h=9 m=4
